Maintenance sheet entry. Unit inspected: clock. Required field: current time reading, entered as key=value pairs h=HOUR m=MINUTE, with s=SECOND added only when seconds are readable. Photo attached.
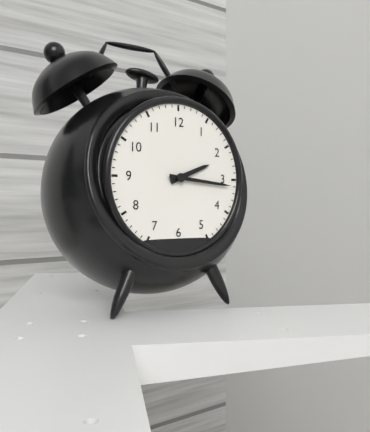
h=2 m=16
